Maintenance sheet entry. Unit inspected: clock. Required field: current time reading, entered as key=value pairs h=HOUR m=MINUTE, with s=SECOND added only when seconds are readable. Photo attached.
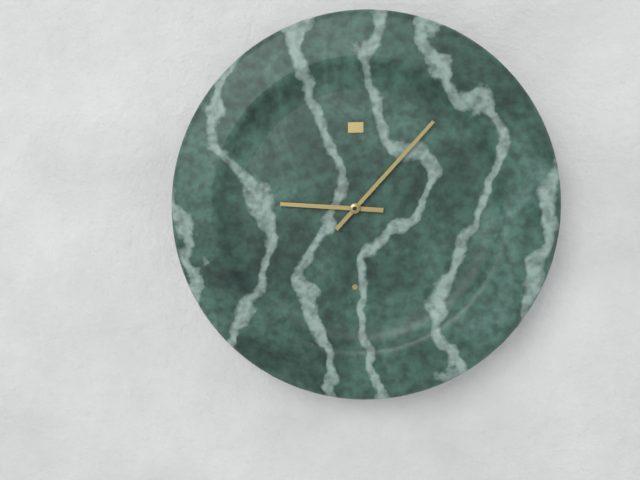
h=9 m=7
